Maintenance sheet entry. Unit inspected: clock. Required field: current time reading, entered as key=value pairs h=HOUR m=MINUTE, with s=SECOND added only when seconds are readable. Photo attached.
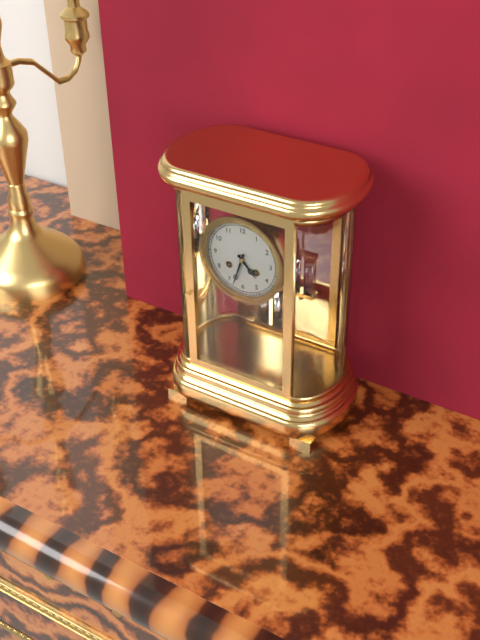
h=4 m=33
